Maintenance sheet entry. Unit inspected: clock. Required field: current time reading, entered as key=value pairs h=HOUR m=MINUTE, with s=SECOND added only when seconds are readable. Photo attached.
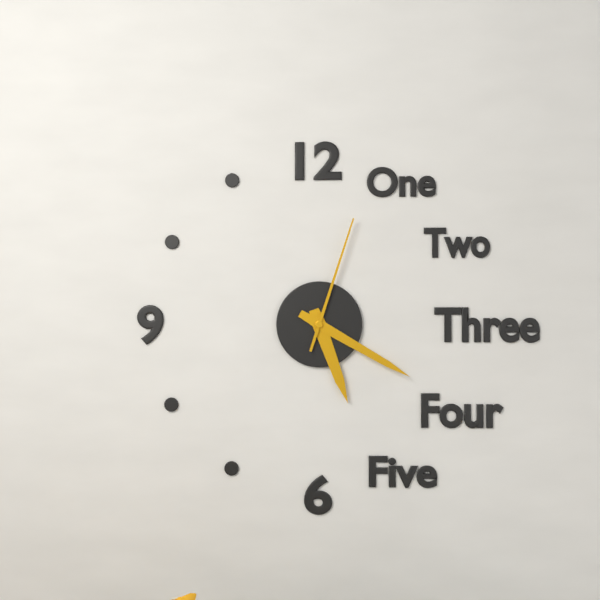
h=5 m=20 s=3
